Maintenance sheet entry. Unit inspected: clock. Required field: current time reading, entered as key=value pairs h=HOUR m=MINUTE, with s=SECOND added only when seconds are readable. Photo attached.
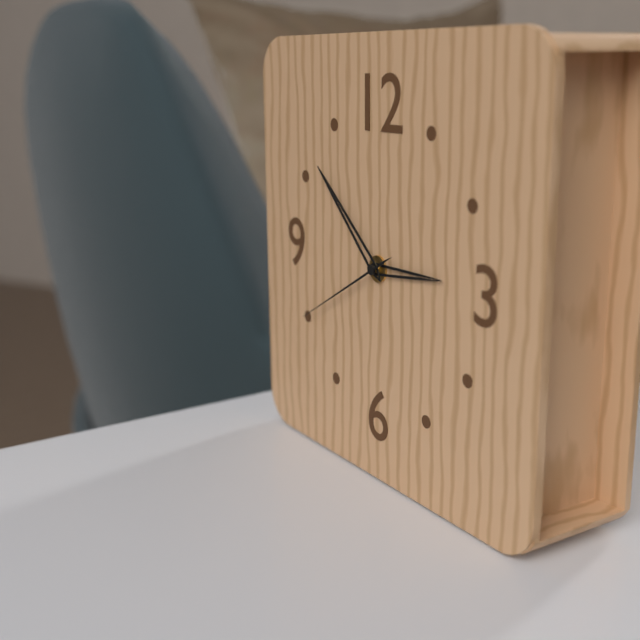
h=2 m=52 s=40
